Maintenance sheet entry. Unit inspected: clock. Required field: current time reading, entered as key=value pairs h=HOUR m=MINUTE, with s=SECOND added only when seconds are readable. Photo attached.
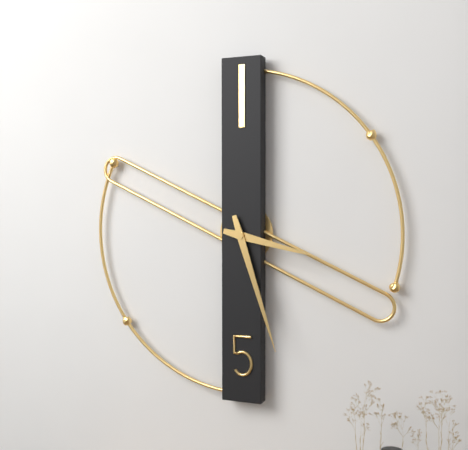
h=3 m=27
